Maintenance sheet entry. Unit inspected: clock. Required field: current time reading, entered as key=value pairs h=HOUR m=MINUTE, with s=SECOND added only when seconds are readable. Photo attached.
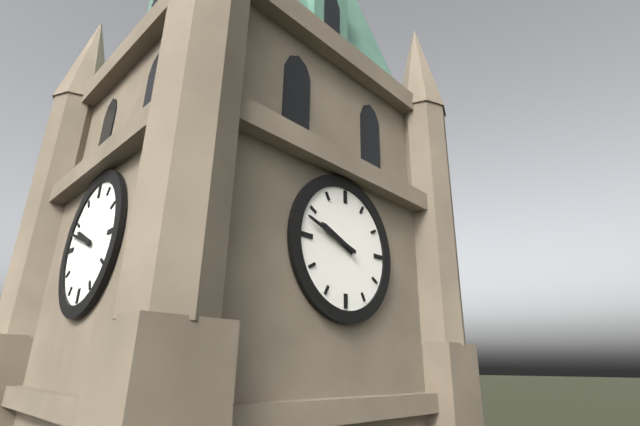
h=9 m=48
